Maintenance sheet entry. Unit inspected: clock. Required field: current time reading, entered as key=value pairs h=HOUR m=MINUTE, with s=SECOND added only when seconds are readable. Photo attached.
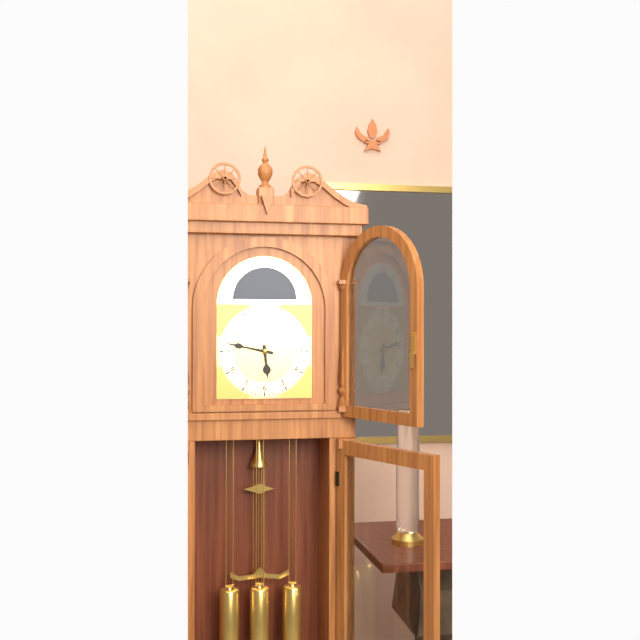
h=5 m=47
